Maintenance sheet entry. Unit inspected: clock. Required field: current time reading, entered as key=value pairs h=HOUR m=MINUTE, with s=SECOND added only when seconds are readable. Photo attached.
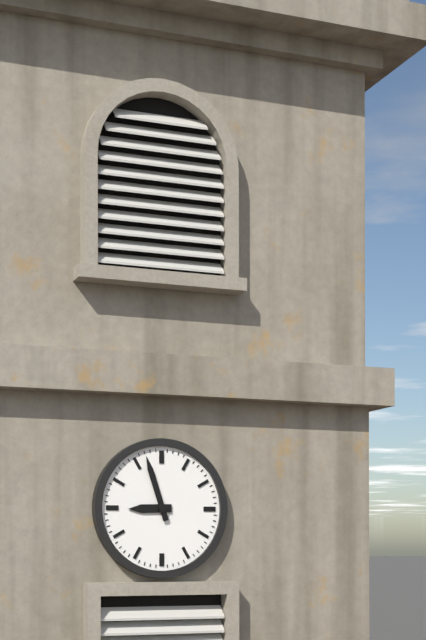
h=8 m=57
